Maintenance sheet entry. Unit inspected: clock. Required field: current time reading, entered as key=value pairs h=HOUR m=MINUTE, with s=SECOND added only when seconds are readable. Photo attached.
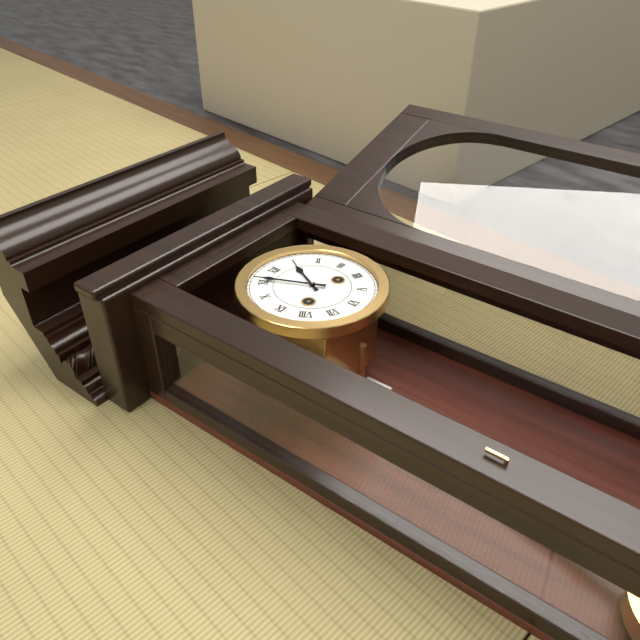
h=12 m=56
